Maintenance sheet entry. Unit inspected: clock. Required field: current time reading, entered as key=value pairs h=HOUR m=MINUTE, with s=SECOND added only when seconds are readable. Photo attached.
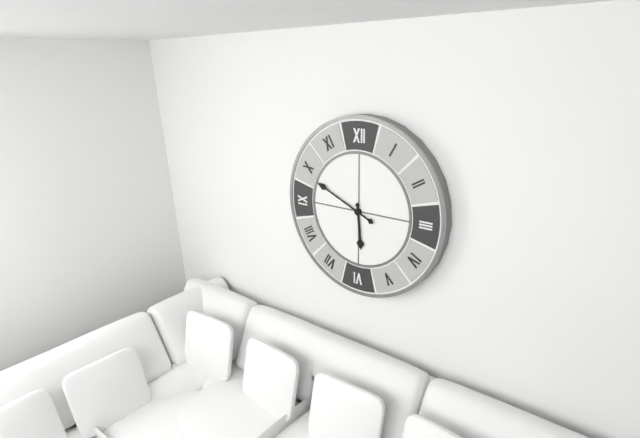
h=5 m=49
